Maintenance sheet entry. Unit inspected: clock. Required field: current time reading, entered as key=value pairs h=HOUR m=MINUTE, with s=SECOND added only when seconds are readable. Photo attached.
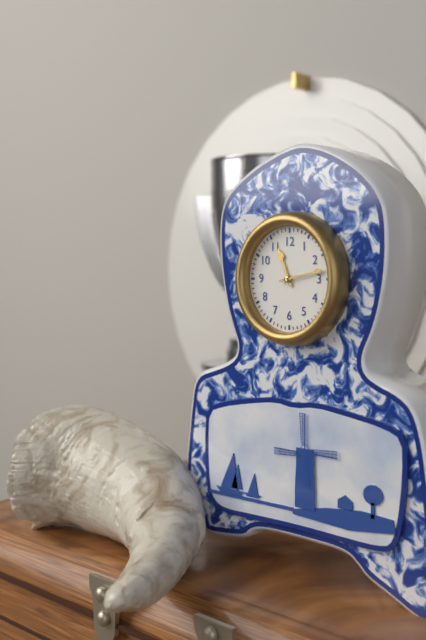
h=11 m=13
